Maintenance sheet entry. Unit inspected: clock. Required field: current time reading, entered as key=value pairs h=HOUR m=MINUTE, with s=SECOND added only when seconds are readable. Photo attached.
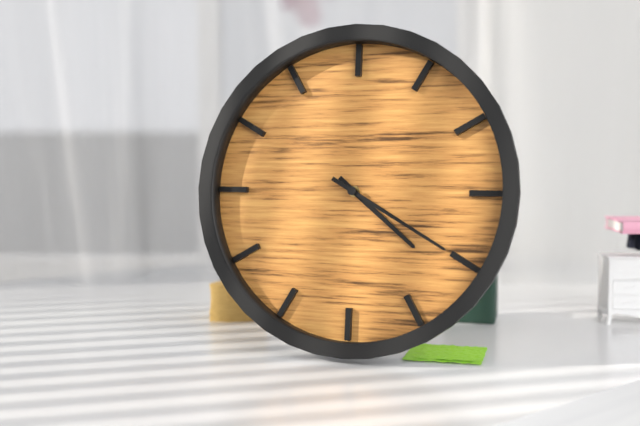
h=4 m=20
